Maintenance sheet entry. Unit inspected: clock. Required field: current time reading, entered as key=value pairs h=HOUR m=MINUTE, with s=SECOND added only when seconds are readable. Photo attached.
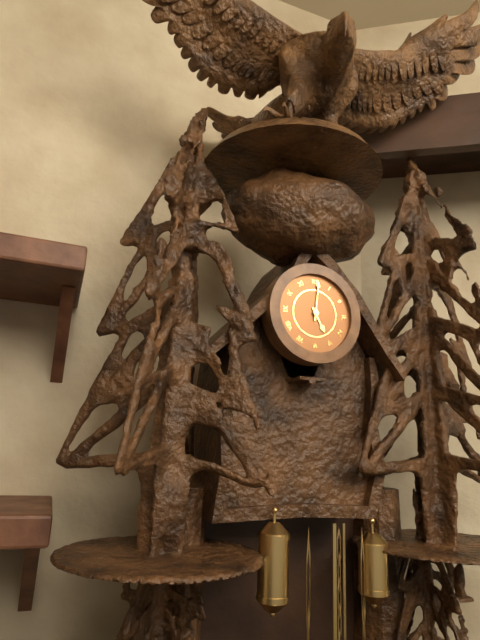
h=5 m=1
